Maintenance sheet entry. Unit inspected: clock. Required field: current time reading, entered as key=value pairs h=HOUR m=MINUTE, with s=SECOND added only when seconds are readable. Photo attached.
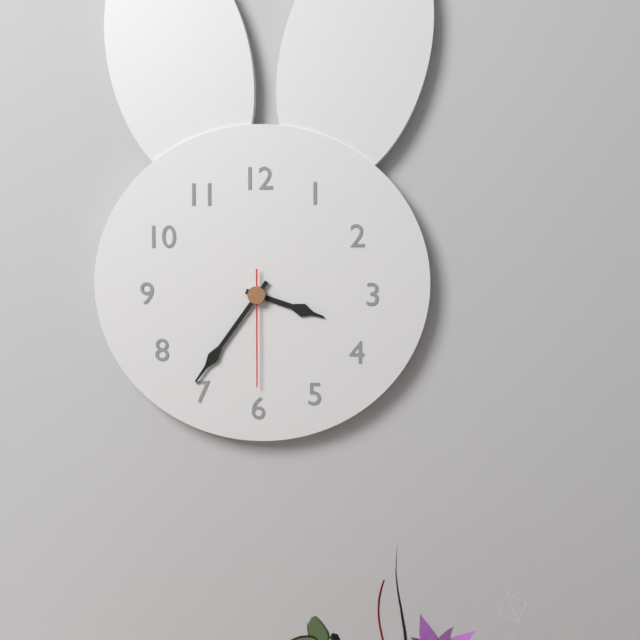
h=3 m=36 s=30
